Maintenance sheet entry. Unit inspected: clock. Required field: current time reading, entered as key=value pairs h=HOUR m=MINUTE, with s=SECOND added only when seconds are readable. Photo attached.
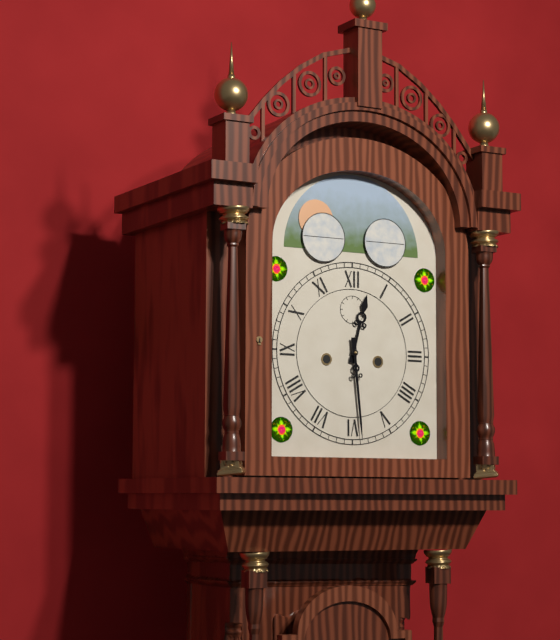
h=12 m=29
